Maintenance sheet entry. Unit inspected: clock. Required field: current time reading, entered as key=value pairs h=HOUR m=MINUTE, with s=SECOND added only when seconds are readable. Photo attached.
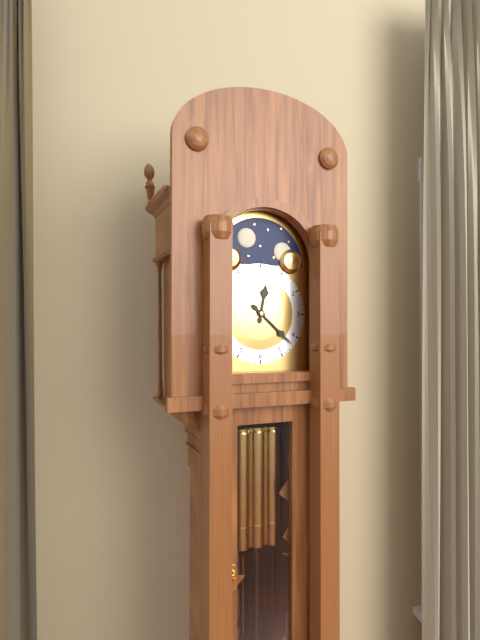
h=12 m=22
